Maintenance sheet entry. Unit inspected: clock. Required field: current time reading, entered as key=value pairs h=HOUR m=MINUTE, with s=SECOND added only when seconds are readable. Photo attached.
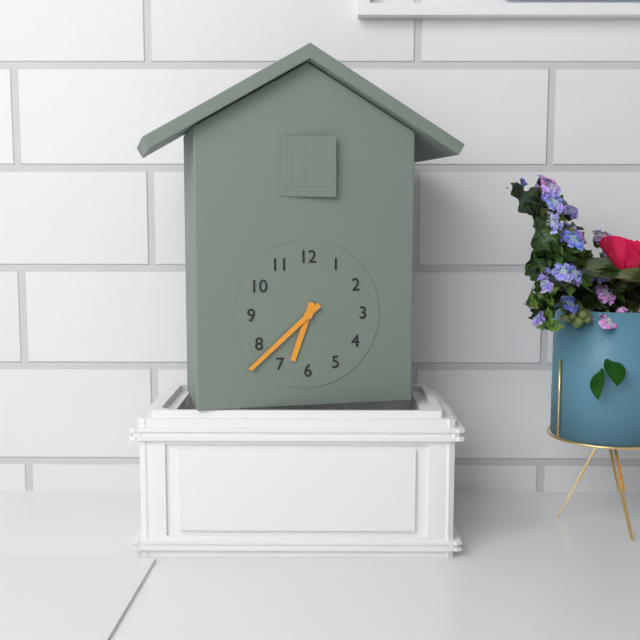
h=6 m=38
